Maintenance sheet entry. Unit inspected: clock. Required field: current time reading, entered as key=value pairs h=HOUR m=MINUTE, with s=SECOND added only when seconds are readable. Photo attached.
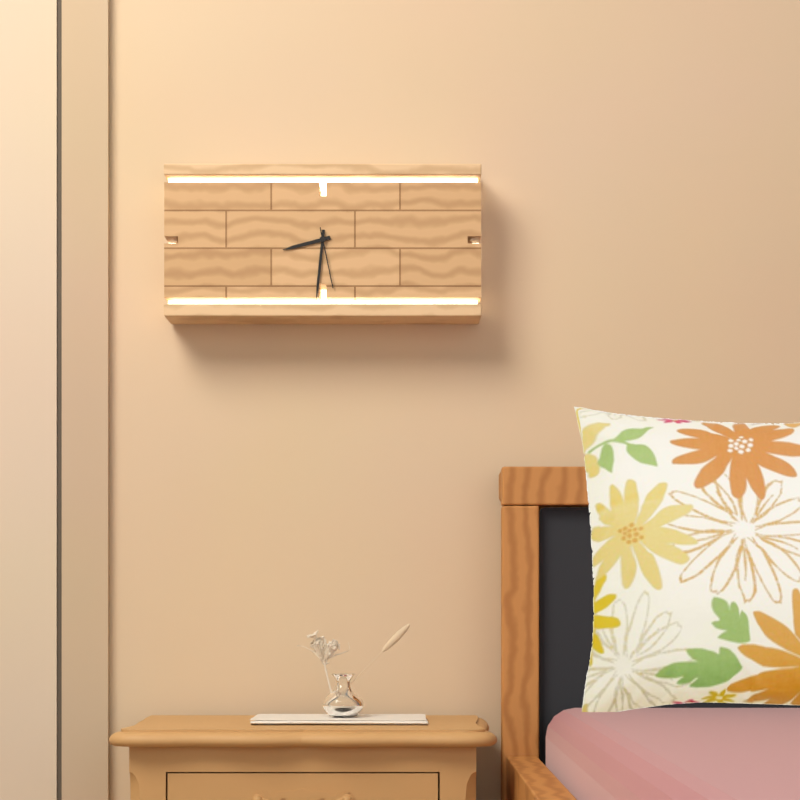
h=8 m=31
